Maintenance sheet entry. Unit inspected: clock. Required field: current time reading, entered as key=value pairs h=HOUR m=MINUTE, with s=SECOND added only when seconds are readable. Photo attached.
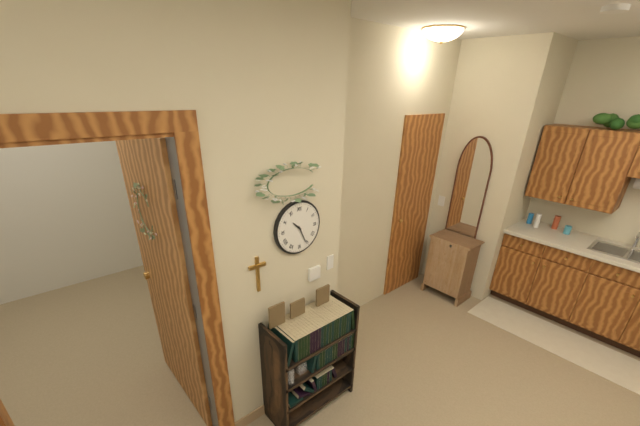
h=10 m=26
